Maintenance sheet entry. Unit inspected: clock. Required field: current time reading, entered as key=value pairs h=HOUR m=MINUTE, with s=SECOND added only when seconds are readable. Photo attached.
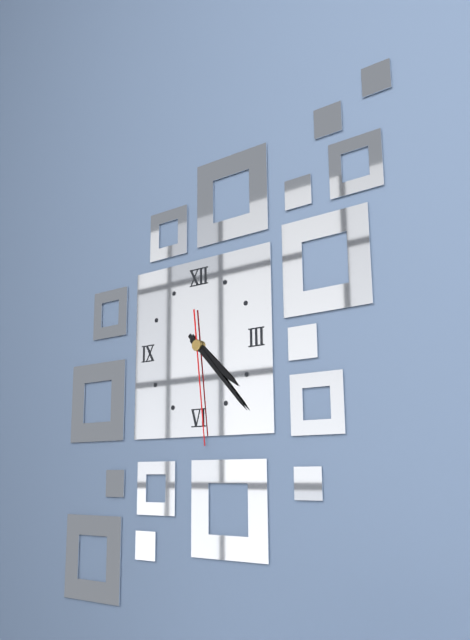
h=4 m=23 s=29
